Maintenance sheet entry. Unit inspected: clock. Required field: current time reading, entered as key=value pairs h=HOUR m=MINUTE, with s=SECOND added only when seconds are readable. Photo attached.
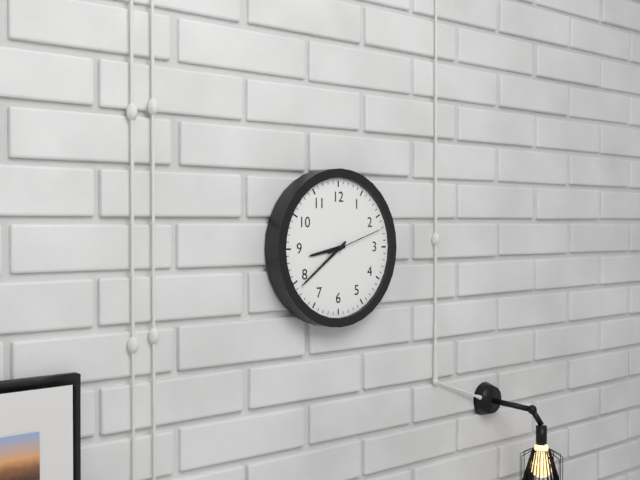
h=8 m=39 s=12
